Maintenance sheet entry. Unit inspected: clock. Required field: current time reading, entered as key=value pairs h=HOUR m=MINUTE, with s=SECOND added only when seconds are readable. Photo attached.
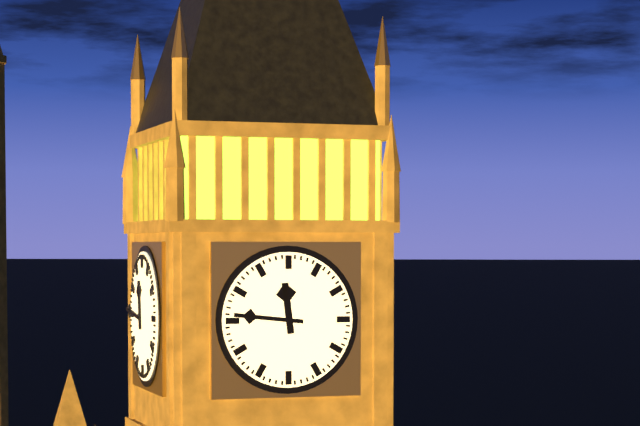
h=11 m=46
